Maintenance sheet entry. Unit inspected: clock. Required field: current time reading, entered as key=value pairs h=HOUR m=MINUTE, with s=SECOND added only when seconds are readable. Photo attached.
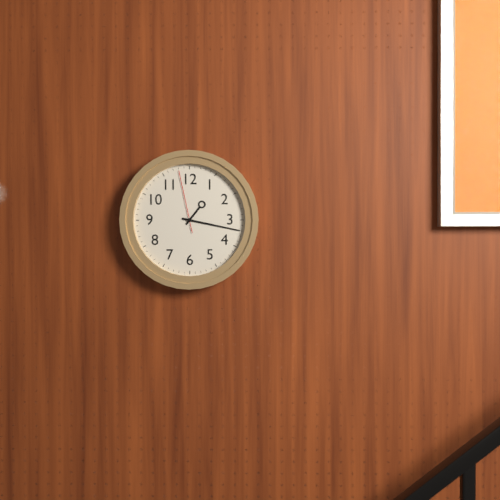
h=1 m=17 s=58
